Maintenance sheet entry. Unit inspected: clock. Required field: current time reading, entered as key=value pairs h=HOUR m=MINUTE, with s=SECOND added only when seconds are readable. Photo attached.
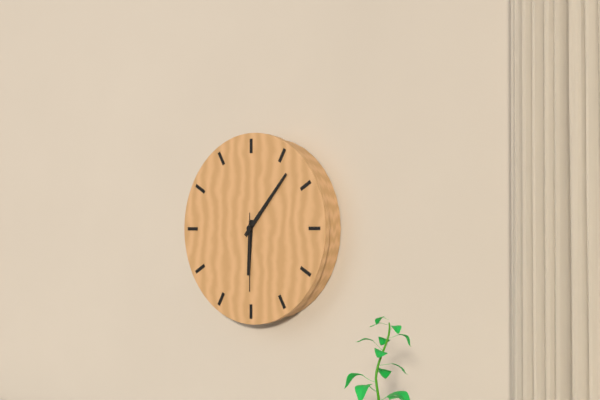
h=6 m=7 s=30
